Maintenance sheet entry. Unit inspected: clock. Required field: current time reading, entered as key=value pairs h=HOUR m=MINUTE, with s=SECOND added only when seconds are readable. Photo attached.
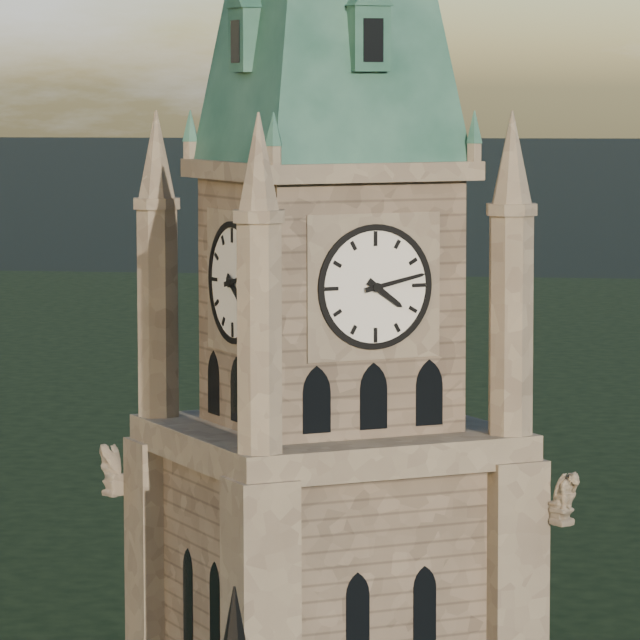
h=4 m=13
